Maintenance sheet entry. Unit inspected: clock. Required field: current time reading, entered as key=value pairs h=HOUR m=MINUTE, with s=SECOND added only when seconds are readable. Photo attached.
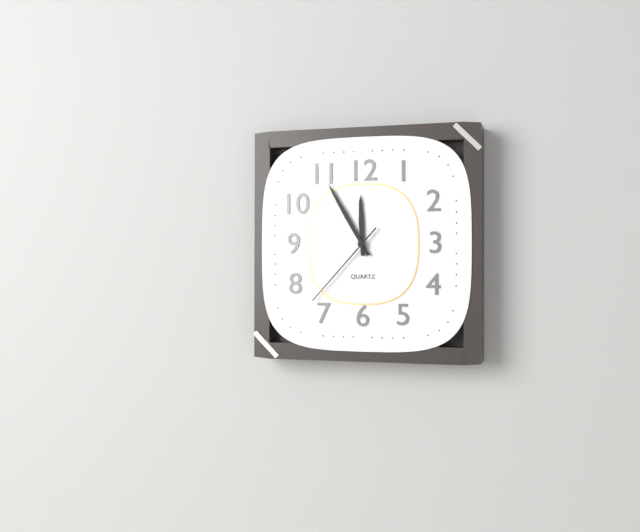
h=11 m=55 s=37
